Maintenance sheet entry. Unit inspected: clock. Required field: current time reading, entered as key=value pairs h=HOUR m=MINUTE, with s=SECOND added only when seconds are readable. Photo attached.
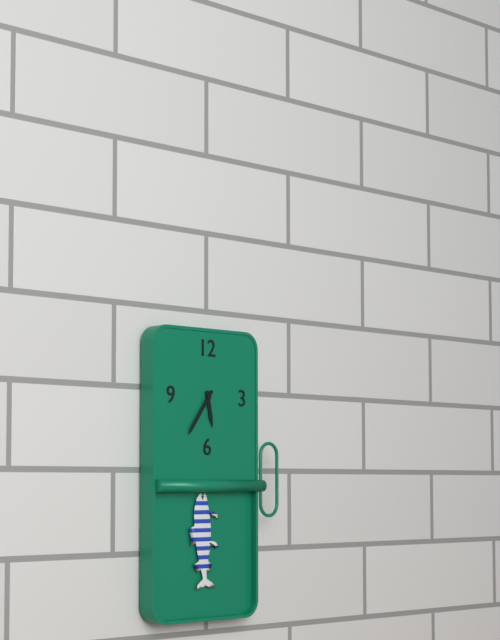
h=5 m=36
